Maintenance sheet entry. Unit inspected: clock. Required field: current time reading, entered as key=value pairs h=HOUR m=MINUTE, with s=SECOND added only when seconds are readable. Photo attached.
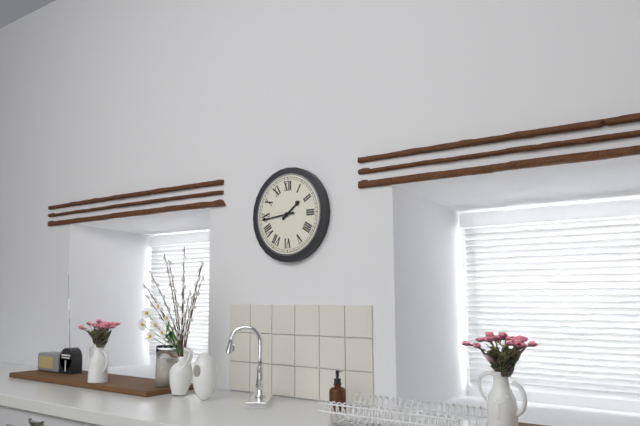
h=1 m=44
